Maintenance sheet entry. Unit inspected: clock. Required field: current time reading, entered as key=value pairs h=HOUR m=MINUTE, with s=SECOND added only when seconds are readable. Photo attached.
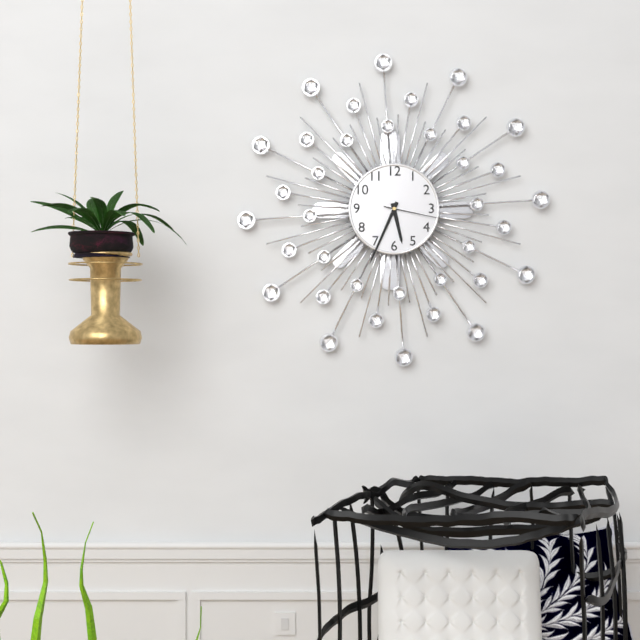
h=5 m=34 s=17
